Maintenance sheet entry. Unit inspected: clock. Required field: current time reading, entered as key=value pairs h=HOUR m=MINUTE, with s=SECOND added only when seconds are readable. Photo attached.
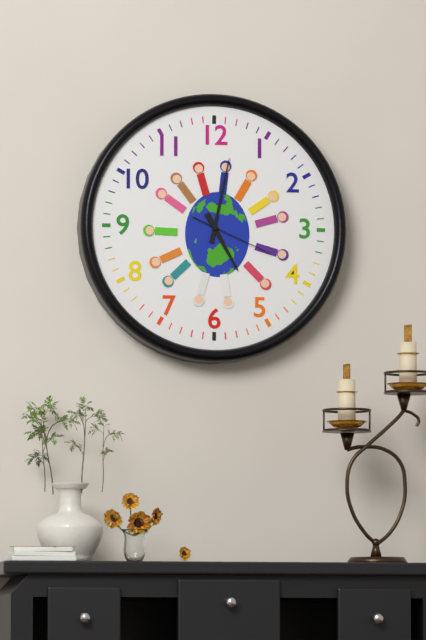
h=5 m=2 s=19
